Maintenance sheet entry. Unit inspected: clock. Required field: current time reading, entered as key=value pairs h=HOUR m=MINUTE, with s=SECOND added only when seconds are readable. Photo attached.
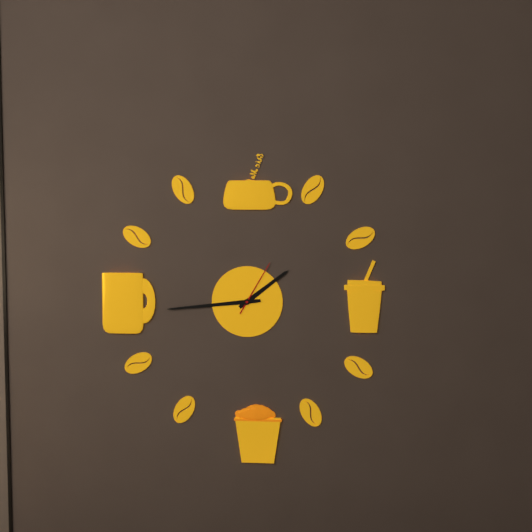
h=1 m=44 s=5
